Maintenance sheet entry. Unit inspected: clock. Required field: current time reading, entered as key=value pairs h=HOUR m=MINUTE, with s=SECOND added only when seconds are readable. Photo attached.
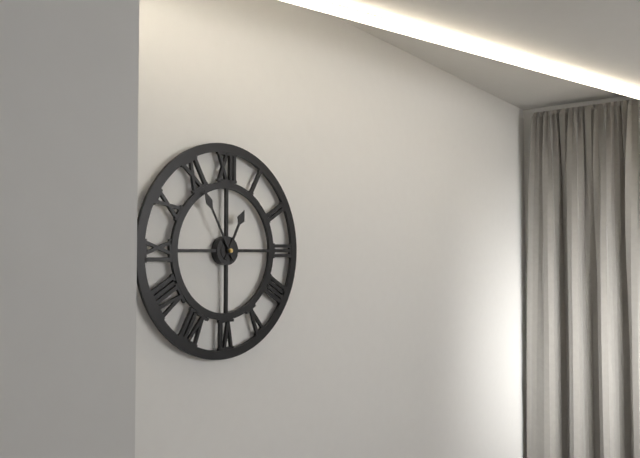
h=12 m=55
